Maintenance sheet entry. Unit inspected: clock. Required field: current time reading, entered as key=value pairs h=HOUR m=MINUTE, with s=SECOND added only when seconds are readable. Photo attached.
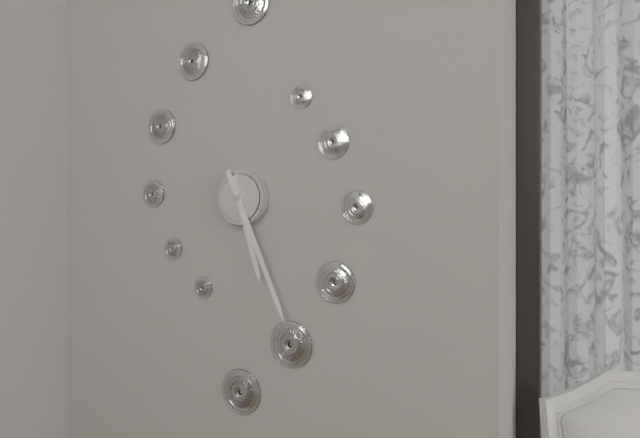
h=5 m=26
